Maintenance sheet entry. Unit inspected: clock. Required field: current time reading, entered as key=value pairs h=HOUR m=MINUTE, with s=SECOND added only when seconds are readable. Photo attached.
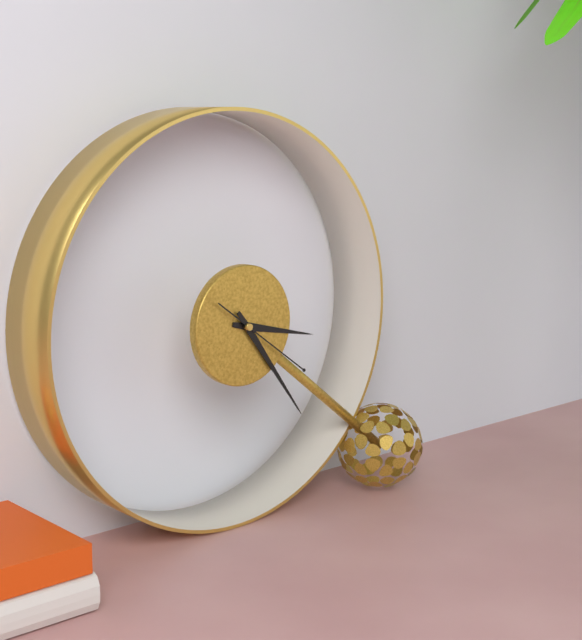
h=3 m=24 s=21
